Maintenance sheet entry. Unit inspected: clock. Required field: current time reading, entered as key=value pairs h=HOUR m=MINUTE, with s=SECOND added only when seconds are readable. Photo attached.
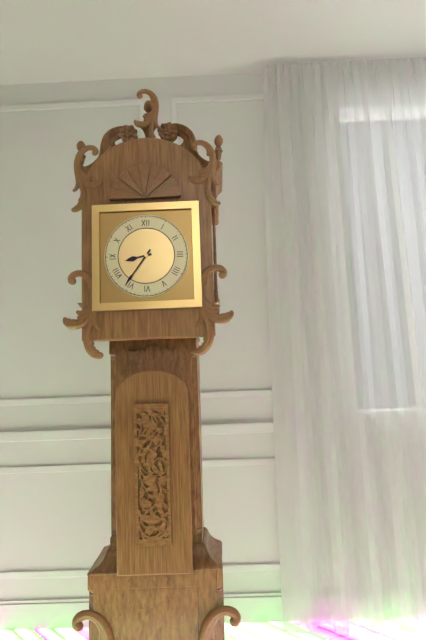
h=8 m=36
